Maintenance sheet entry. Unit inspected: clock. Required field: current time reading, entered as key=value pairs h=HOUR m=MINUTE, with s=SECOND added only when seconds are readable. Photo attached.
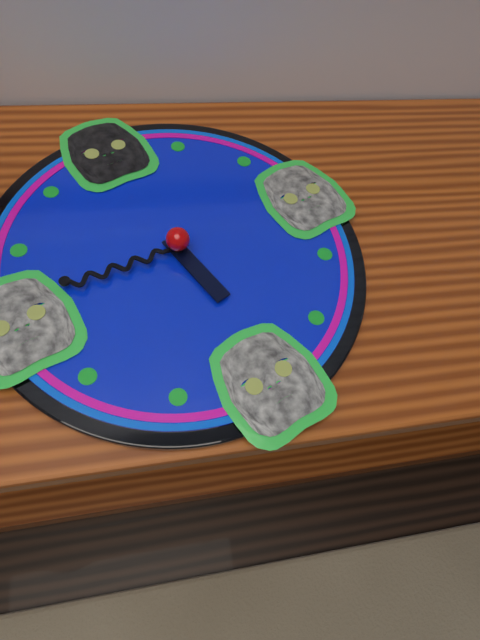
h=5 m=46
